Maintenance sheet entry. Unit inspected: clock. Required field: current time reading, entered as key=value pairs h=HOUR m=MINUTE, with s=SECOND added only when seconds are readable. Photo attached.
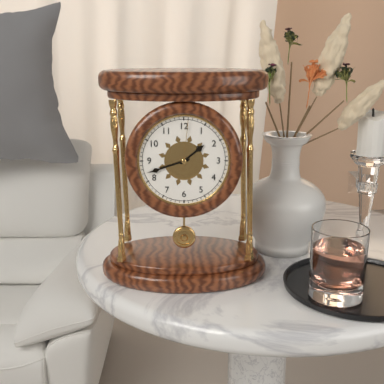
h=1 m=42 s=1
